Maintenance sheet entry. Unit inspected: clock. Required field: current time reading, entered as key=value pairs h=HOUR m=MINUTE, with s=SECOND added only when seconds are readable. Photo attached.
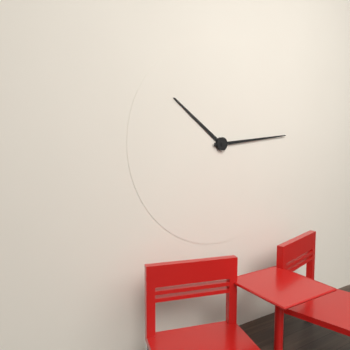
h=10 m=14
